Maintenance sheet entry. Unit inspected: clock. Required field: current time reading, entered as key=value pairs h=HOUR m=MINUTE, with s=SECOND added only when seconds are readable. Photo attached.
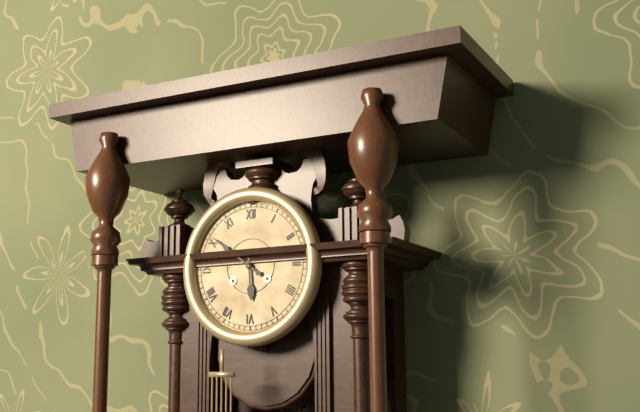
h=5 m=51
